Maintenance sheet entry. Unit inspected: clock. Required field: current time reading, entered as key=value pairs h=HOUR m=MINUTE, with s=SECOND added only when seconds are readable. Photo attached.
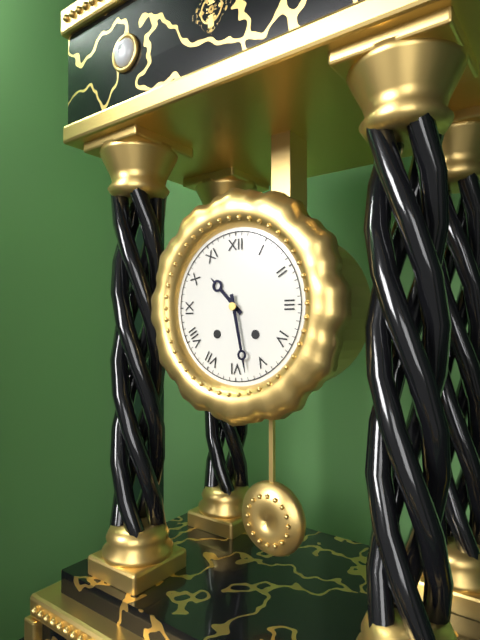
h=10 m=28
